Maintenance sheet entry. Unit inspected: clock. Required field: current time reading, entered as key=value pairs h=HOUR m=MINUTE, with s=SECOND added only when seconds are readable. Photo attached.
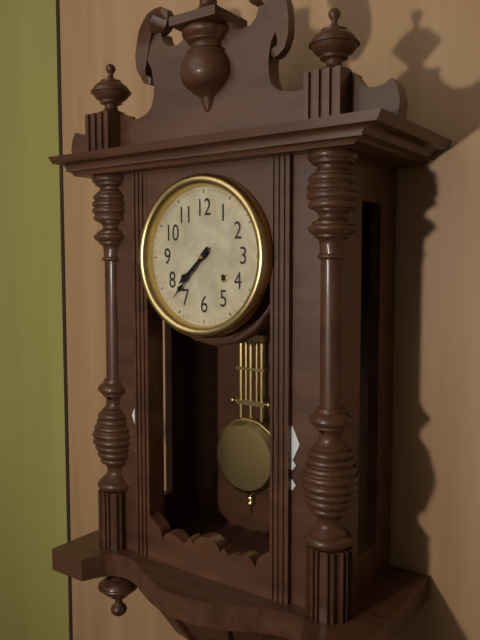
h=7 m=37
